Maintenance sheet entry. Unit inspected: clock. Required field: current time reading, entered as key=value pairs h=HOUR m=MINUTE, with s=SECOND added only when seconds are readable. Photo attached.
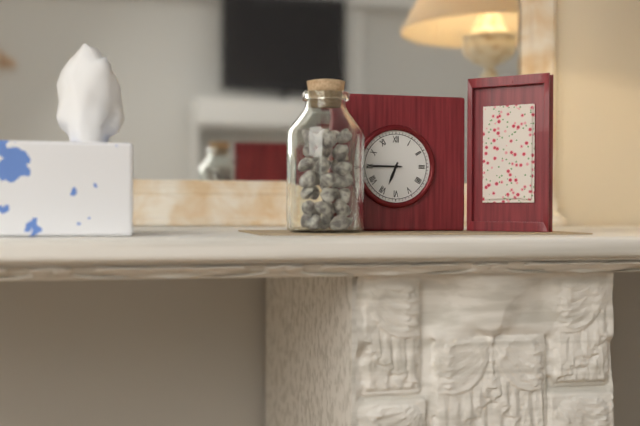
h=6 m=45
